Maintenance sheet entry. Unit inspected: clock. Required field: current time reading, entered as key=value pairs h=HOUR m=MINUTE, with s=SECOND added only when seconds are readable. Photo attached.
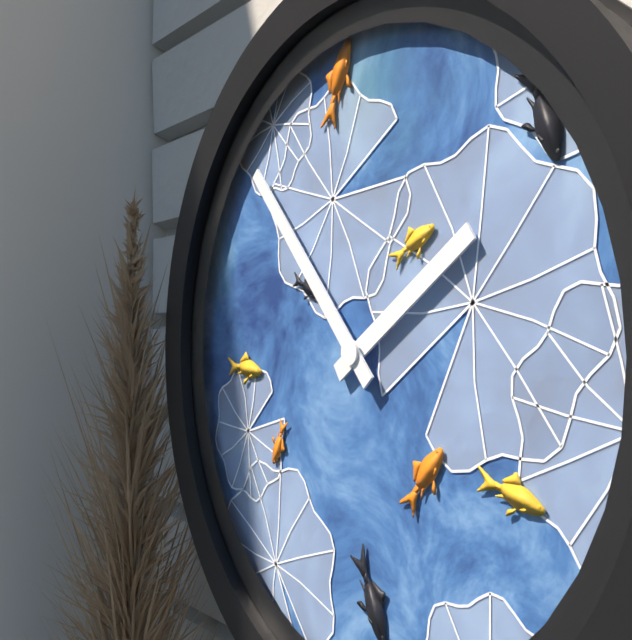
h=1 m=53
